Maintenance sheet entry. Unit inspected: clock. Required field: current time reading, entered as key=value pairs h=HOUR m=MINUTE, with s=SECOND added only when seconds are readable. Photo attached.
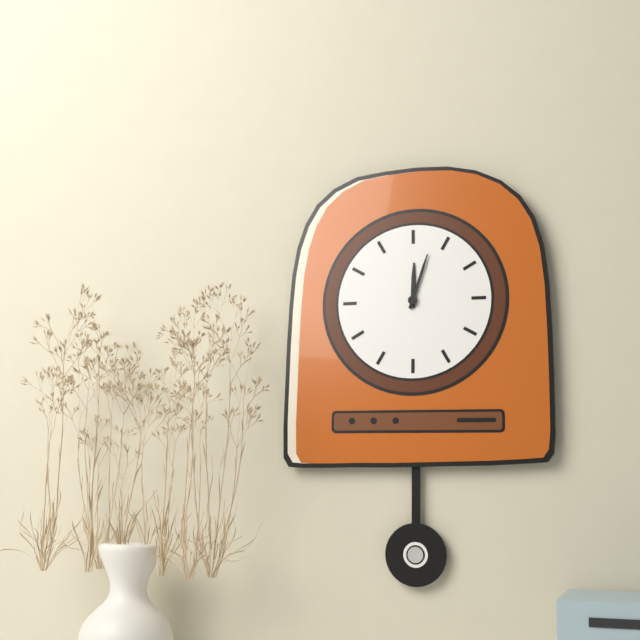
h=12 m=3
